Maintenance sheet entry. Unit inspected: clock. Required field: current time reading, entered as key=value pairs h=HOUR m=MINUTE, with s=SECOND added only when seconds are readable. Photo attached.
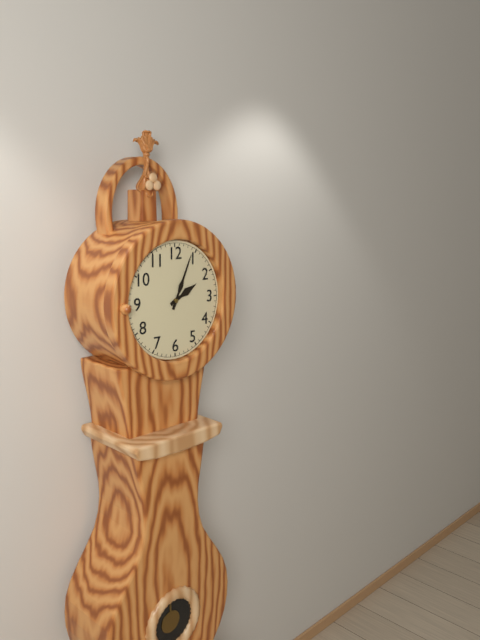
h=2 m=4
